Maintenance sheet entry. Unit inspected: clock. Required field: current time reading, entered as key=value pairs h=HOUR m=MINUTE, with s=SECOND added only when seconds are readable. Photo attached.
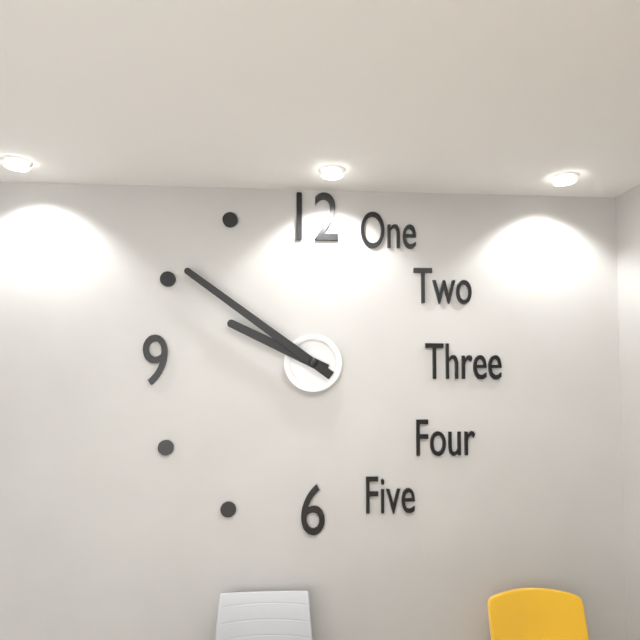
h=9 m=51
